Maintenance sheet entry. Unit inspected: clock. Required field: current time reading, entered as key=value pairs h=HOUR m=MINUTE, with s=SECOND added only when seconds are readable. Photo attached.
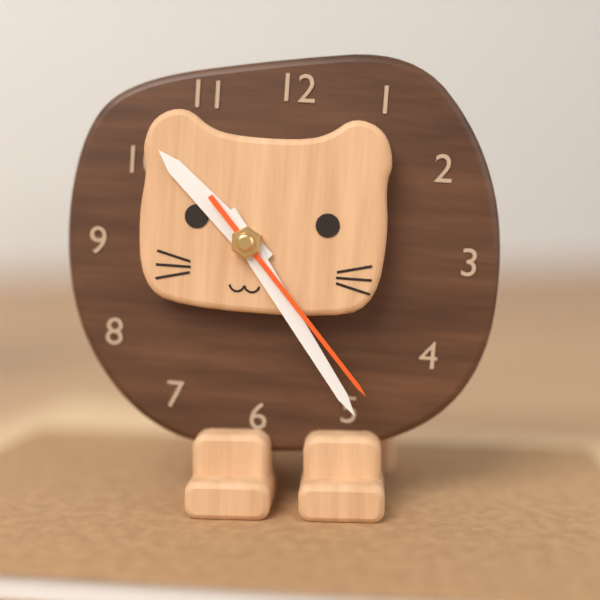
h=10 m=24 s=23
